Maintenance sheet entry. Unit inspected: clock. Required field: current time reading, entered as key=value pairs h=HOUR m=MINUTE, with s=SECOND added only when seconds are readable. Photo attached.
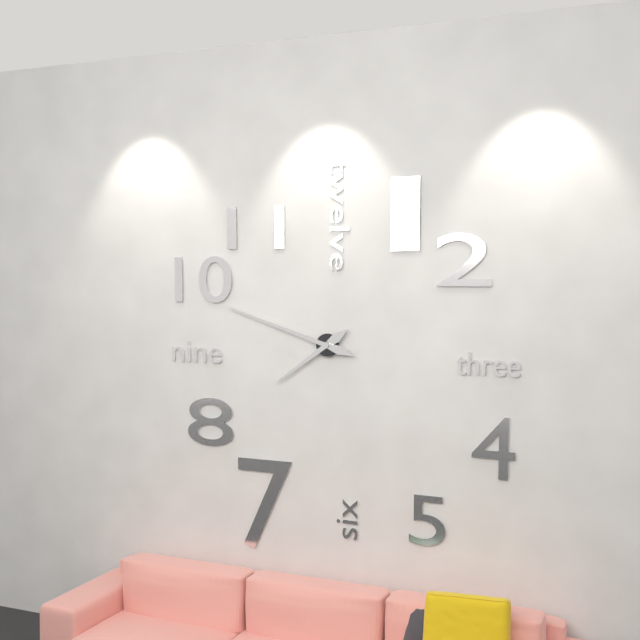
h=7 m=48
